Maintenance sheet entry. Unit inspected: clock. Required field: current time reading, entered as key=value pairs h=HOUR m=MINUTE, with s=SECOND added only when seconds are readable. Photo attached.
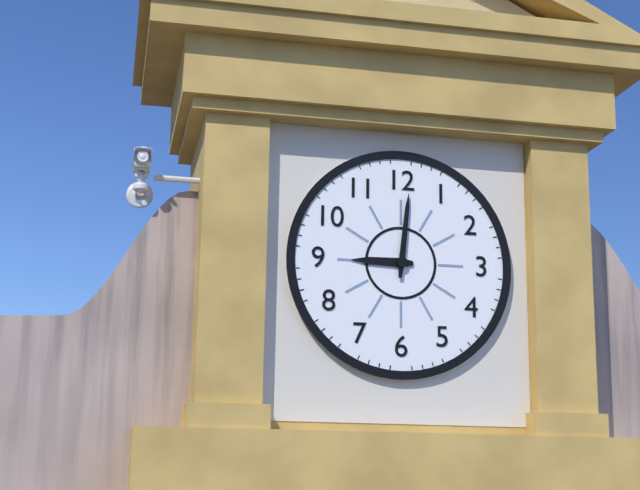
h=9 m=1
